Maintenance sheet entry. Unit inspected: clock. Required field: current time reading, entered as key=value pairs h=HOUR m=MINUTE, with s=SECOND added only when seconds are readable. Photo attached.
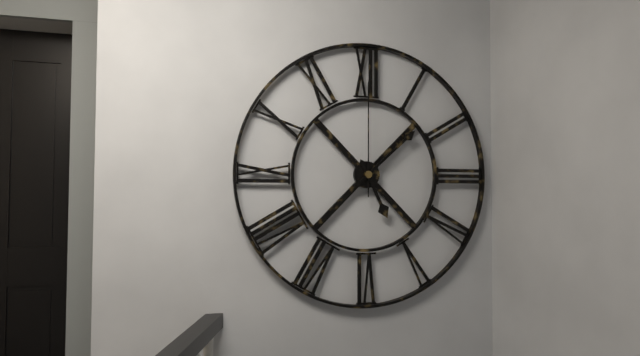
h=5 m=8 s=0
